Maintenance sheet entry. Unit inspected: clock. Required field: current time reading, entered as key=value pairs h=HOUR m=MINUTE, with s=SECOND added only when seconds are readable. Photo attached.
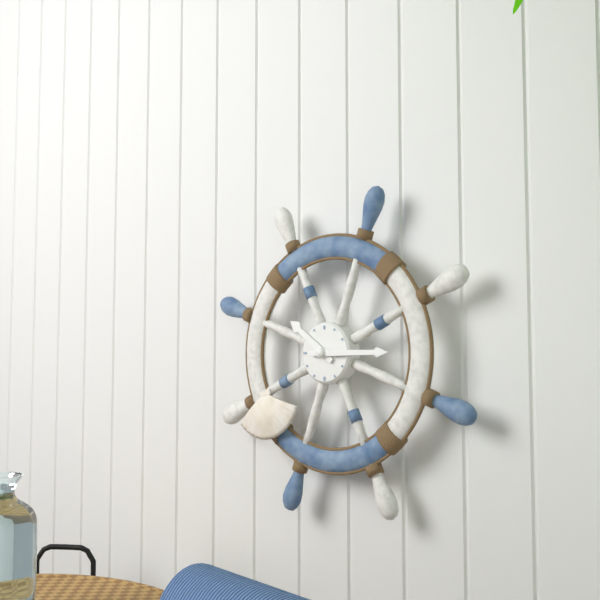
h=10 m=15
